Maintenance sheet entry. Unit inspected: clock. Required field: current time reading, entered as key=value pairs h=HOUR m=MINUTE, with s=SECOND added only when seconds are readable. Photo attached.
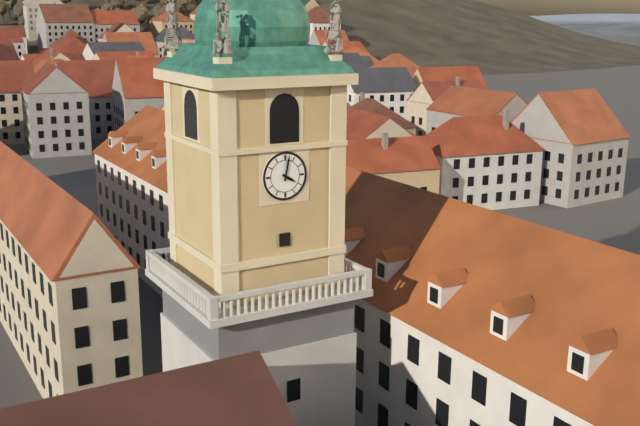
h=4 m=2
